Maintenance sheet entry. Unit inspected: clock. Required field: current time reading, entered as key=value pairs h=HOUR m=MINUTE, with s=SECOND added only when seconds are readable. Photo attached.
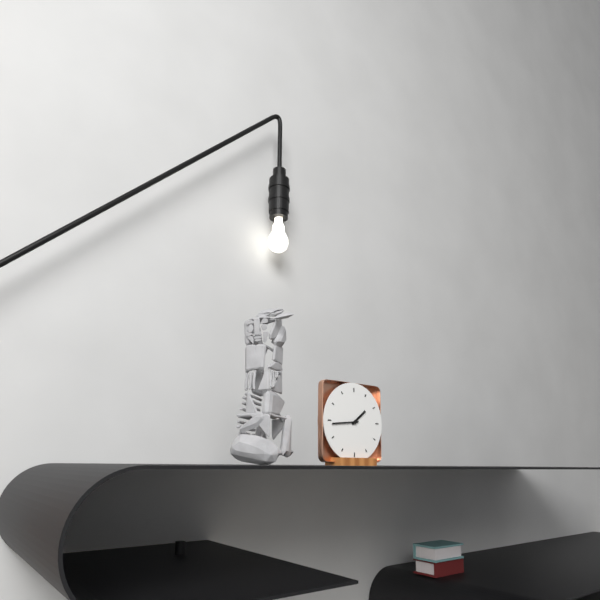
h=1 m=44
